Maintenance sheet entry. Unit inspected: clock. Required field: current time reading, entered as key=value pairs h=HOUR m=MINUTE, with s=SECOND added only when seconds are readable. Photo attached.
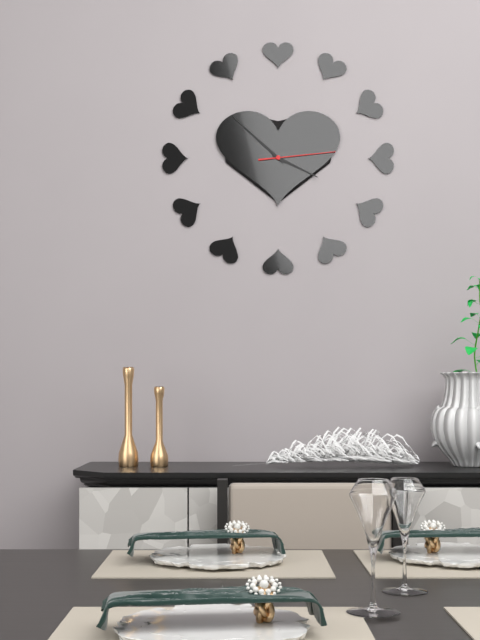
h=3 m=52 s=14
